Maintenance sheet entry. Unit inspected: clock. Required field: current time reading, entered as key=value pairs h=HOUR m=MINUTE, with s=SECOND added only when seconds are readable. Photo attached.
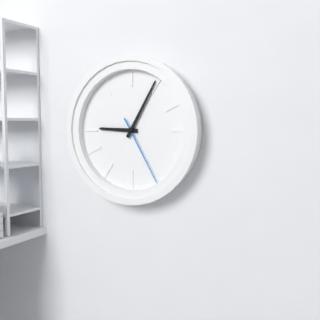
h=9 m=5 s=25
